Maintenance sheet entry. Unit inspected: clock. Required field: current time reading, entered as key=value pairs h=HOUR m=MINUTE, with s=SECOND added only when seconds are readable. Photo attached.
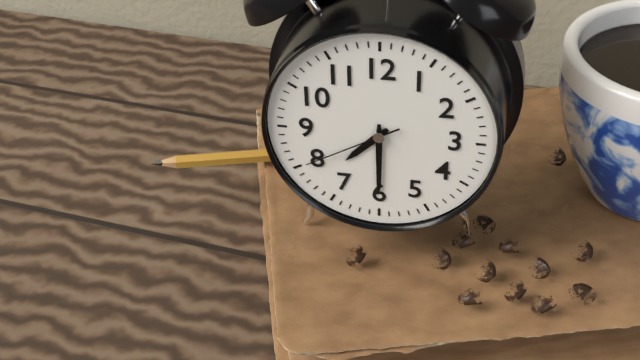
h=7 m=30 s=40
